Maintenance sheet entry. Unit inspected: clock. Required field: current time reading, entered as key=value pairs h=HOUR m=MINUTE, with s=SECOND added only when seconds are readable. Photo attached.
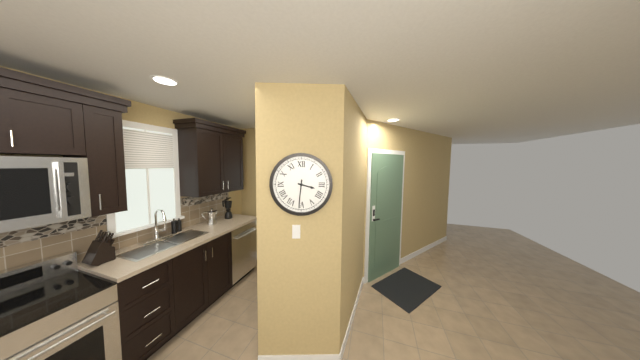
h=3 m=31
